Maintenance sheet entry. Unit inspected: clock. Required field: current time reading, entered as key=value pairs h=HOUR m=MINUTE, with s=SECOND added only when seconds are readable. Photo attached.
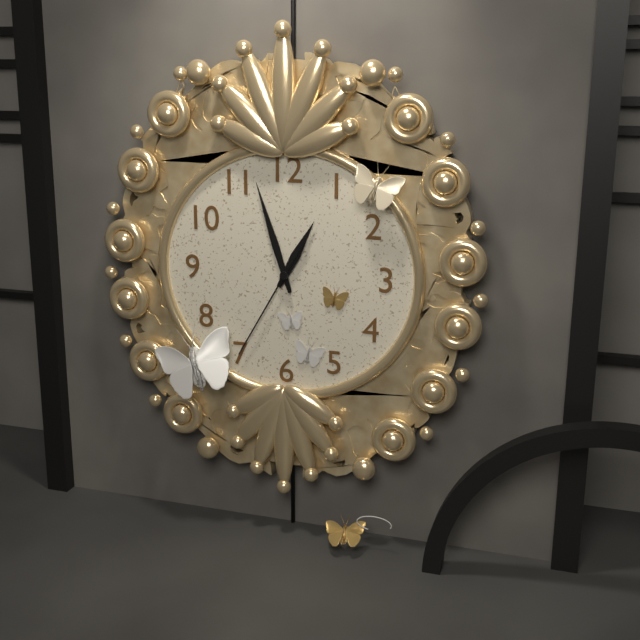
h=12 m=57 s=35
